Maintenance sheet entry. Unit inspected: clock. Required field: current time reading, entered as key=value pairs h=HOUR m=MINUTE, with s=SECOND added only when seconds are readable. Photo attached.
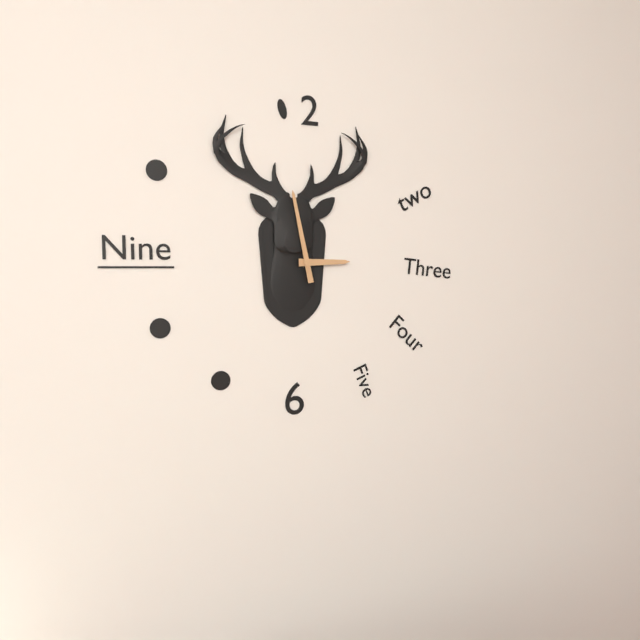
h=2 m=58
